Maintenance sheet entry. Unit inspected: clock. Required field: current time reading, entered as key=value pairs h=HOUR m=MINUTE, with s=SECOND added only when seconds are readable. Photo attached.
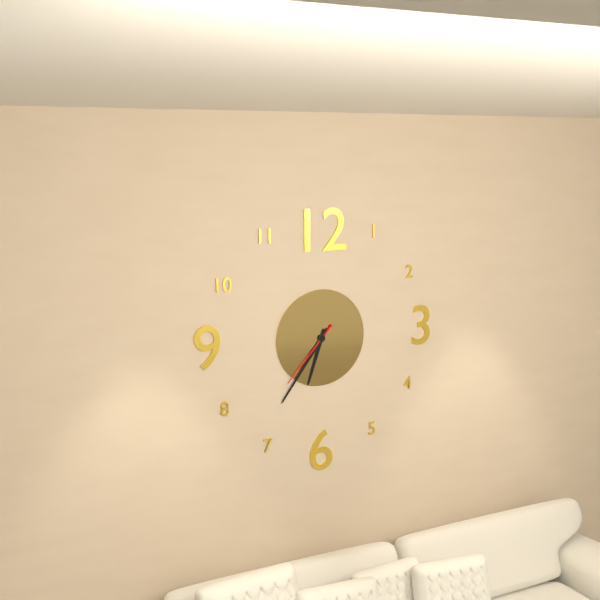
h=6 m=36 s=37
